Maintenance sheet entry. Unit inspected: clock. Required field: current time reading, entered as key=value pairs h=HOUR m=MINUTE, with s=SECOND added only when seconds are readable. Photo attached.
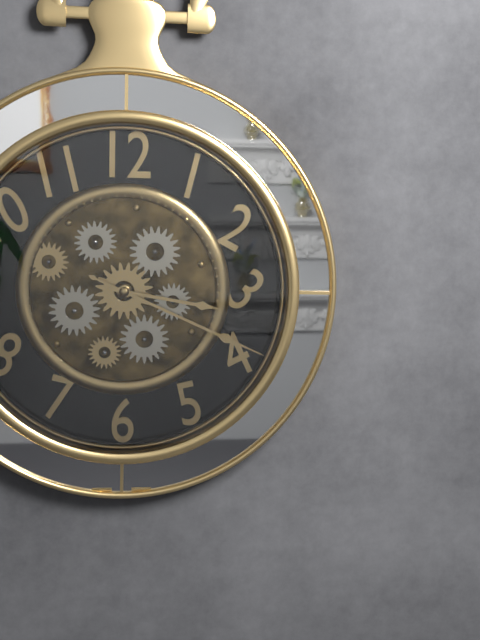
h=3 m=19
